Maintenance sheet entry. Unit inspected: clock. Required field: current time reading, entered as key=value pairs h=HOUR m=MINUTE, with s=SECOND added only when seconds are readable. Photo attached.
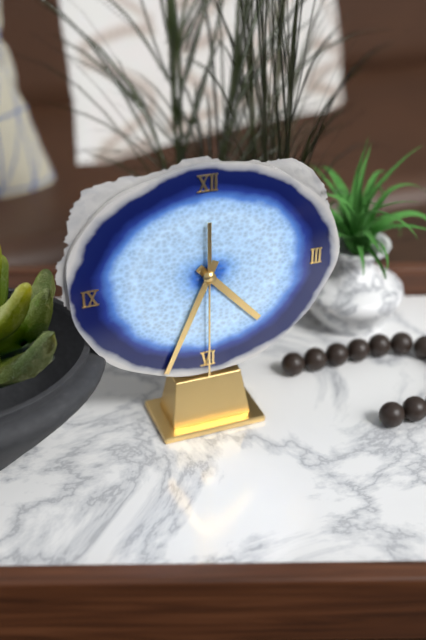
h=4 m=34 s=30
